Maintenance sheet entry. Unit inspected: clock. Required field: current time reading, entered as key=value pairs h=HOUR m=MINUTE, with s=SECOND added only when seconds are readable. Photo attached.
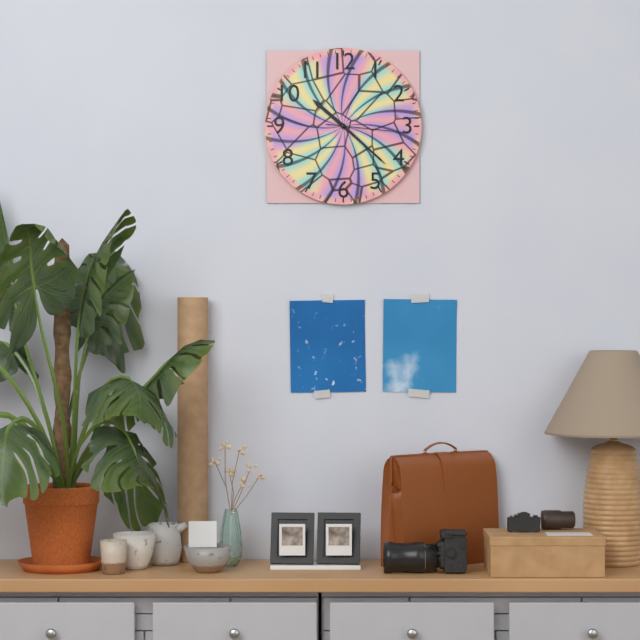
h=10 m=22 s=16
